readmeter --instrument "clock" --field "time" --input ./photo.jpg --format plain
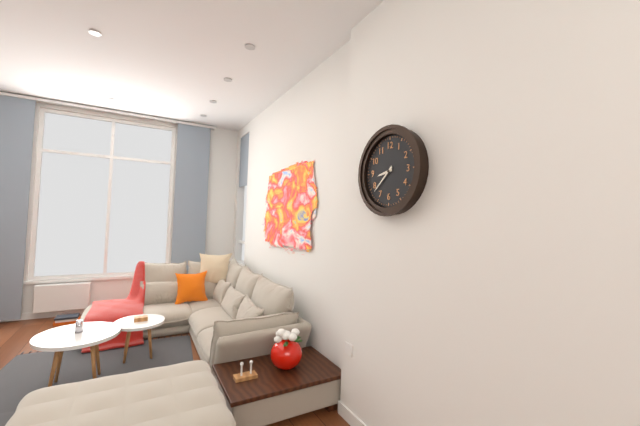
8:38
